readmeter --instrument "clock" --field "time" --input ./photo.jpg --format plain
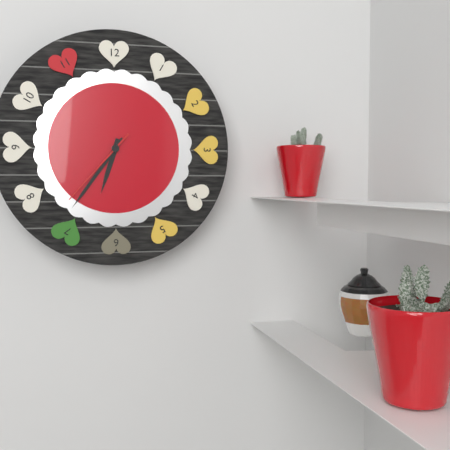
6:36:37
